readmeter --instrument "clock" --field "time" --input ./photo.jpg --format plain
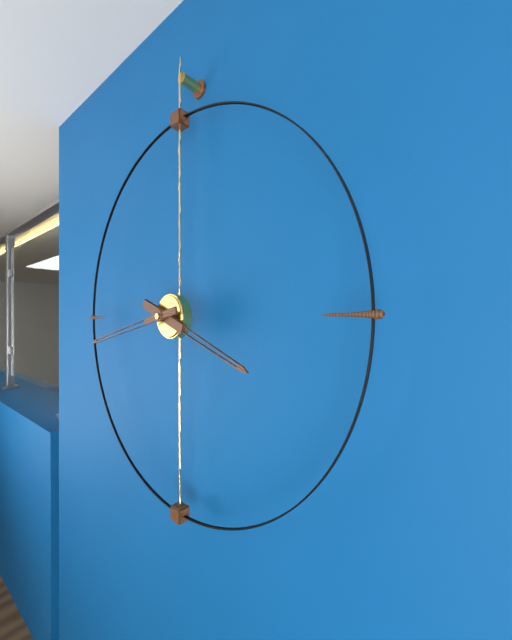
3:43
